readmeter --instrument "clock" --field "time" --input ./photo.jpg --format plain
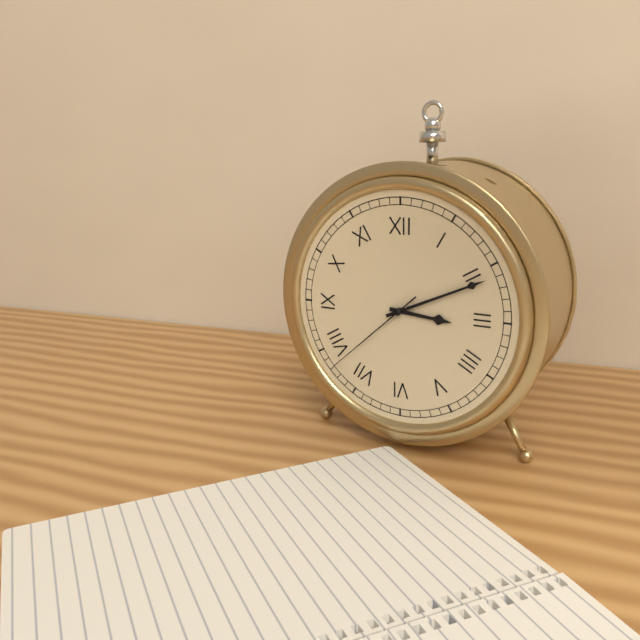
3:11:38
